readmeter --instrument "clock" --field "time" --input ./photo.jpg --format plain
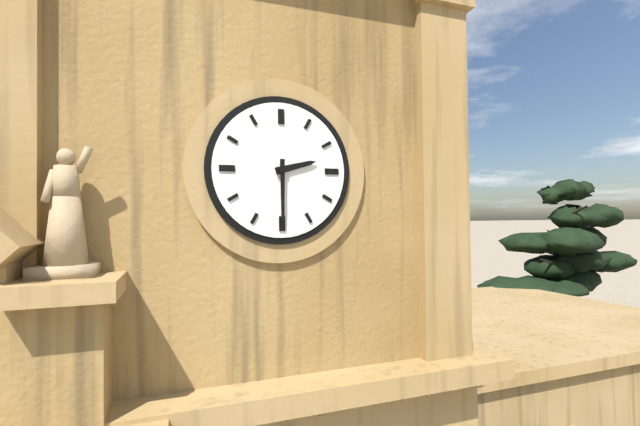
2:30
